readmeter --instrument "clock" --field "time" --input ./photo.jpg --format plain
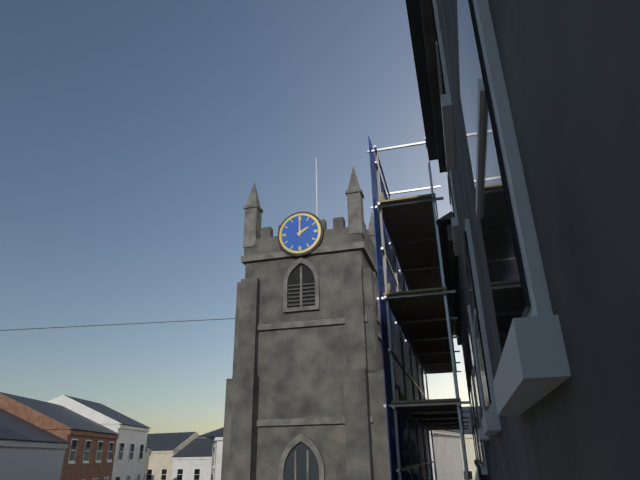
2:00
